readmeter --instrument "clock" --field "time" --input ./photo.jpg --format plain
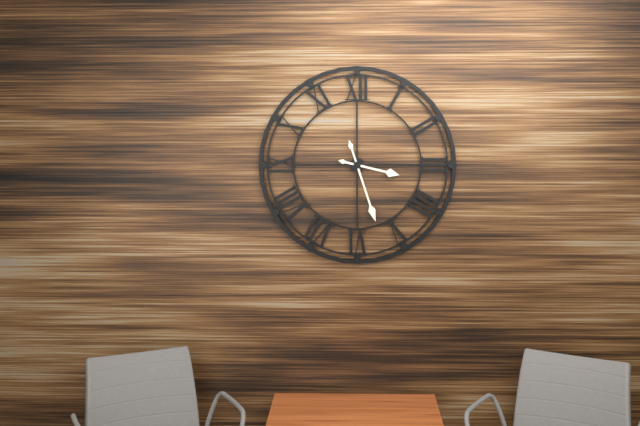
3:27
